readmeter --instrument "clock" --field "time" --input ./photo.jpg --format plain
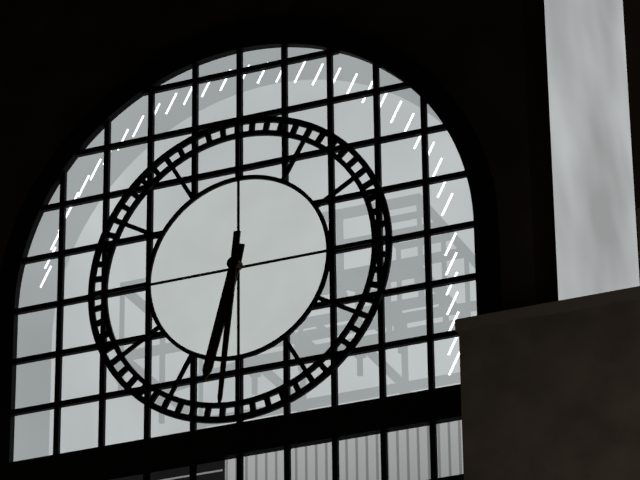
6:31
